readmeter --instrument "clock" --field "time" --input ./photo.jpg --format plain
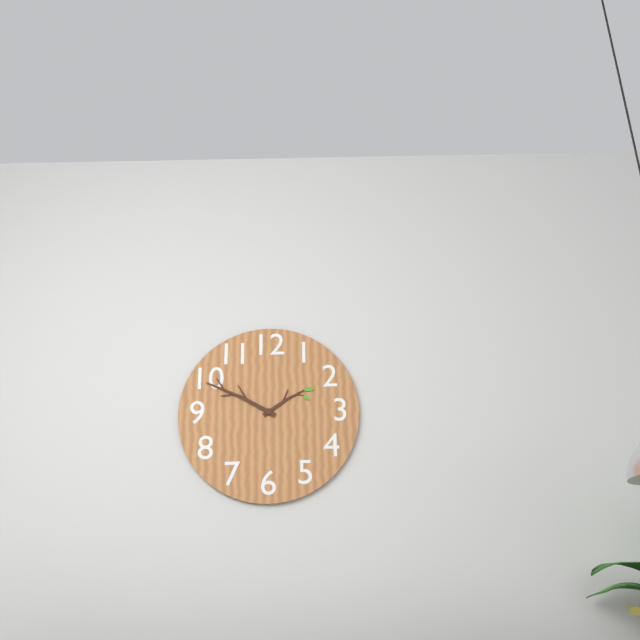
1:50
